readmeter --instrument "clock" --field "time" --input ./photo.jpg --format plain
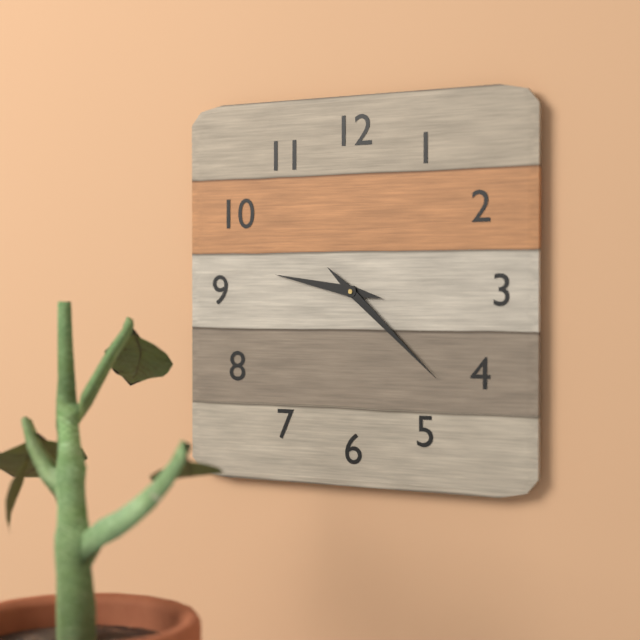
9:22
